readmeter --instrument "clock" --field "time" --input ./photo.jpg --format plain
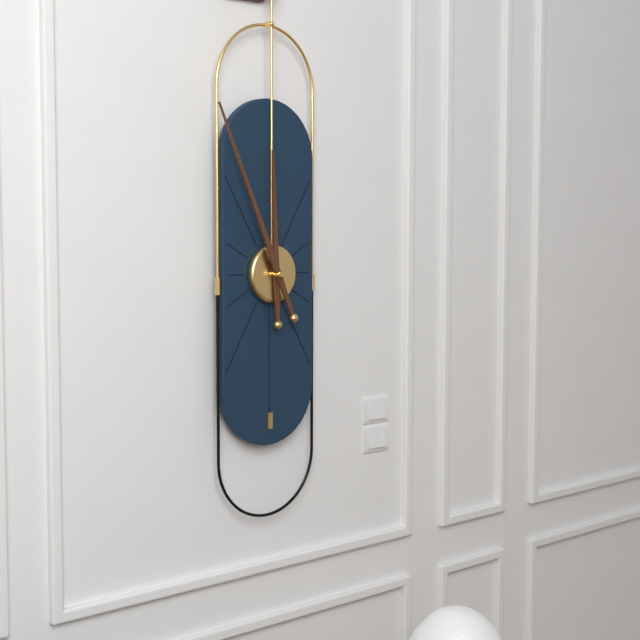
11:56
